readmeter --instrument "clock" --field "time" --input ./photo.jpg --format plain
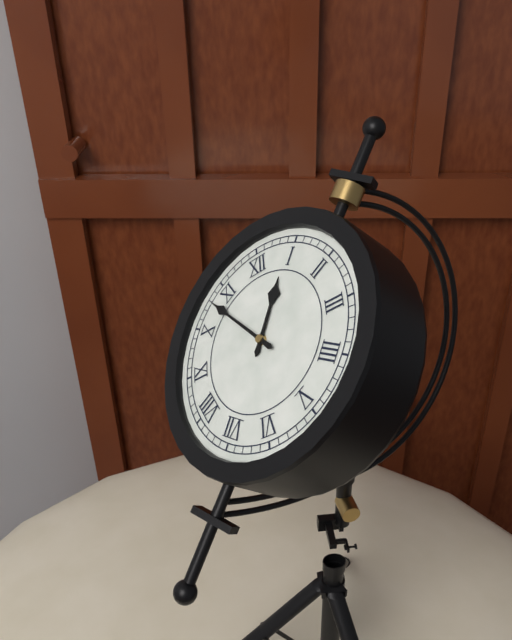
12:53
